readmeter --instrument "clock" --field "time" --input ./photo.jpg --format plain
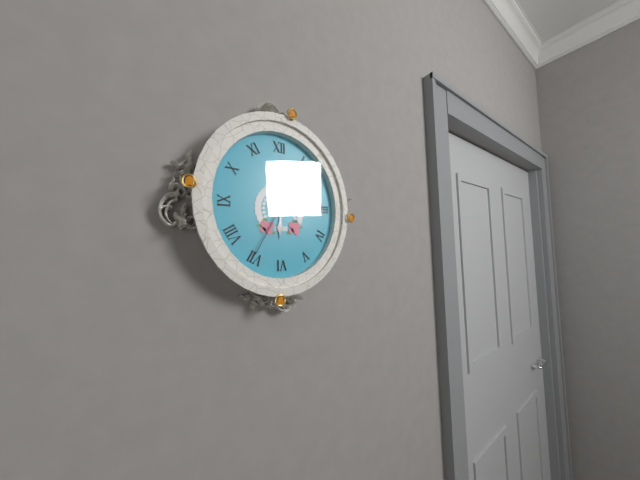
6:08:35
